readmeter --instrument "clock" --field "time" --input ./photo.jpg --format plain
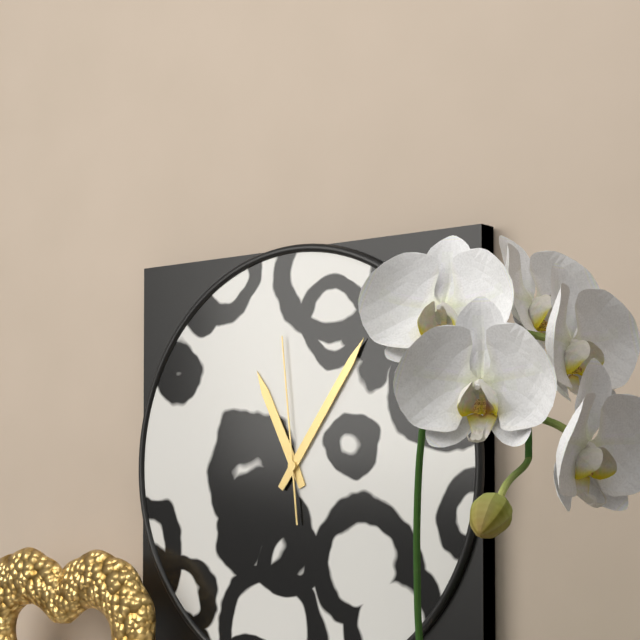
11:06:59
